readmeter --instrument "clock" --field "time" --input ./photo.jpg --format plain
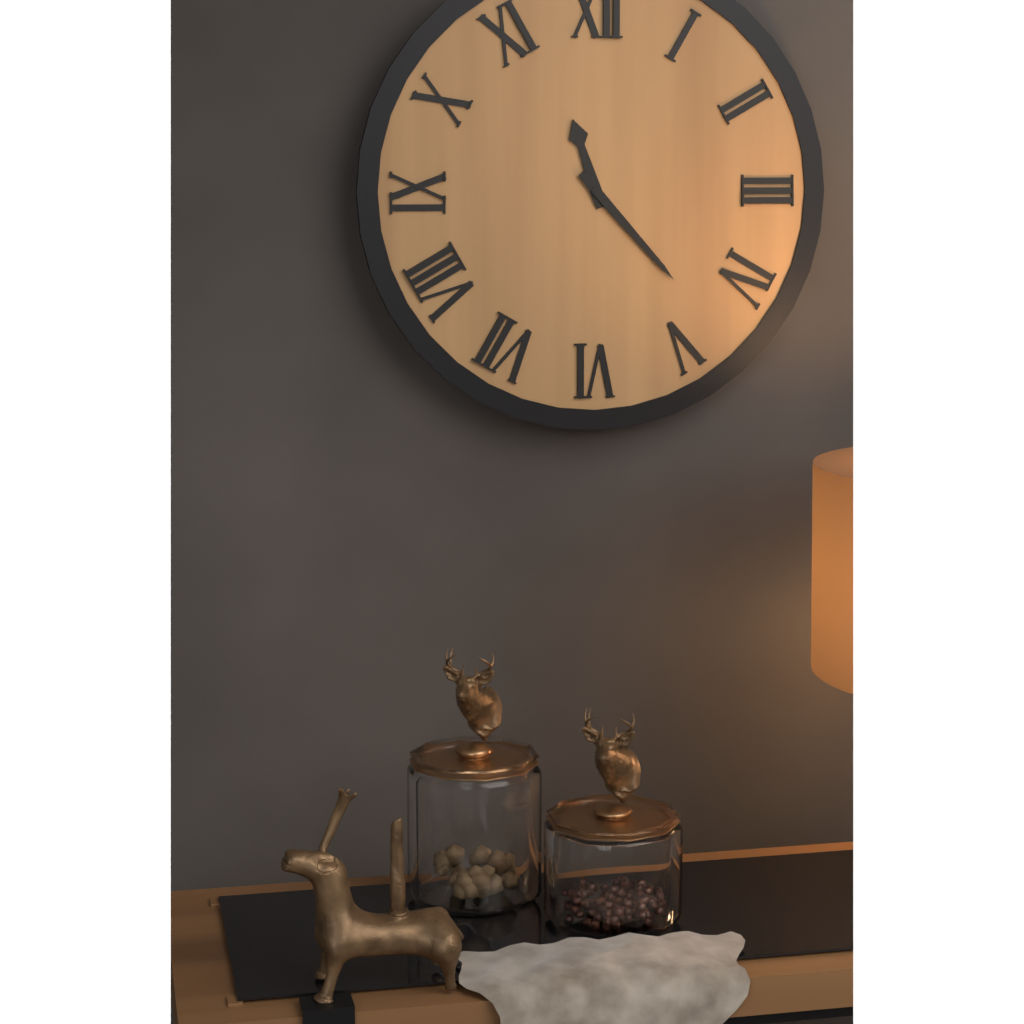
11:23
